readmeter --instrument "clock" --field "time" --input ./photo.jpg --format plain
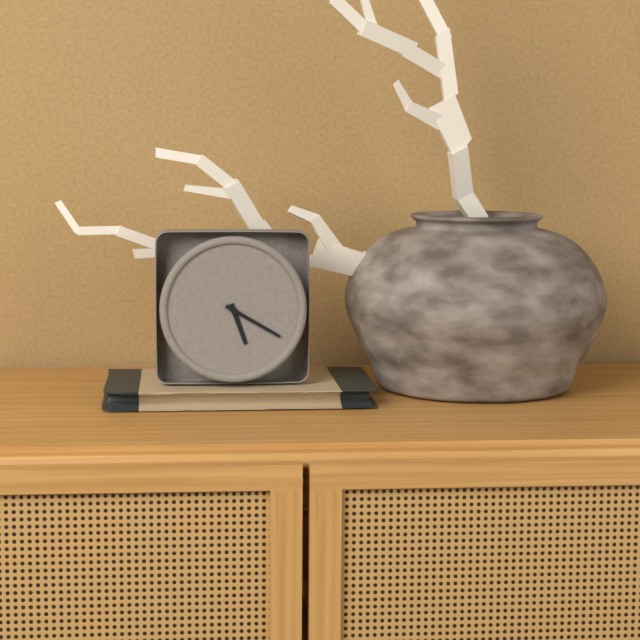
5:20
